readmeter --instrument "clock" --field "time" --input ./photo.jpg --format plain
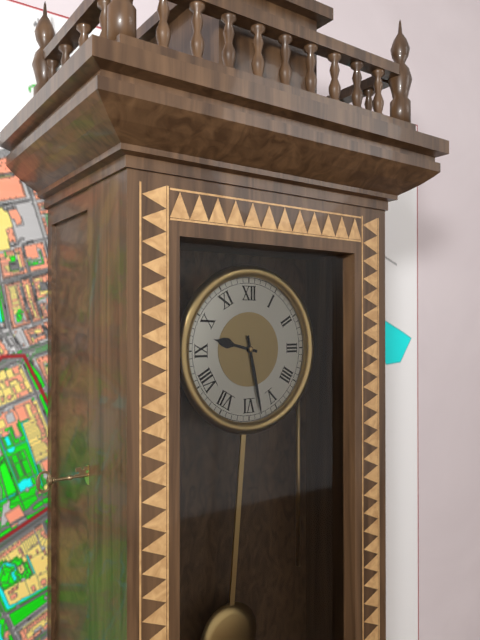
9:28
